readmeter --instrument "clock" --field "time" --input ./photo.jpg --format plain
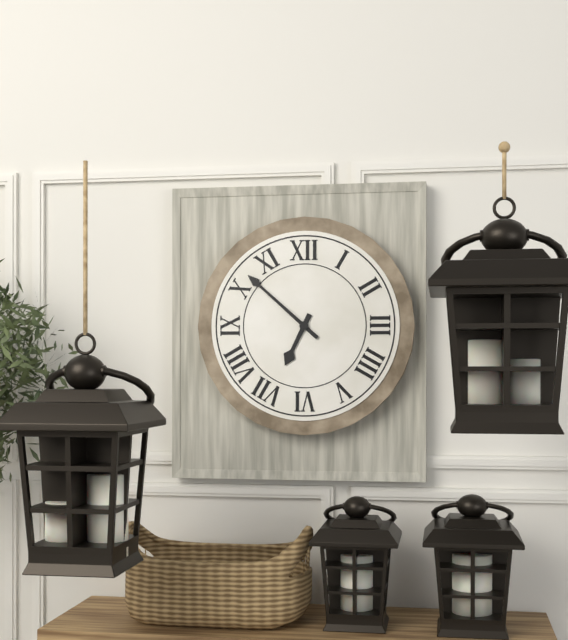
6:52
